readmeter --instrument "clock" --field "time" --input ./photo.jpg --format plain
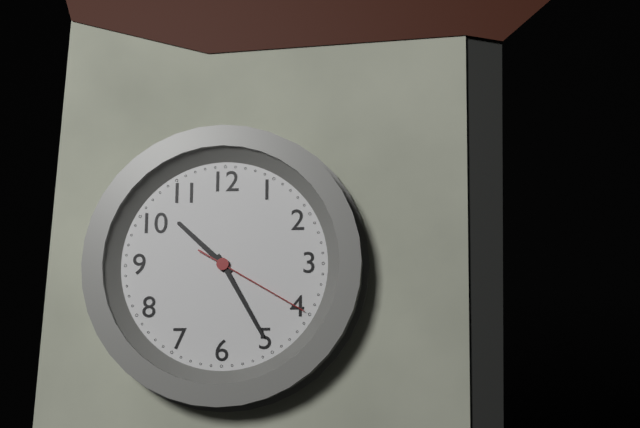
10:25:20
